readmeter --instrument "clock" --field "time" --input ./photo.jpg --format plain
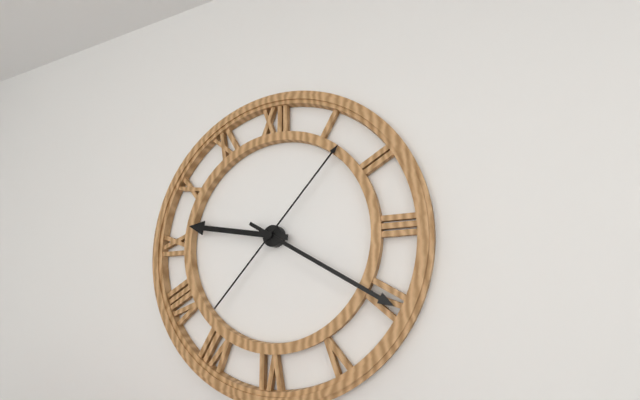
9:20:07
